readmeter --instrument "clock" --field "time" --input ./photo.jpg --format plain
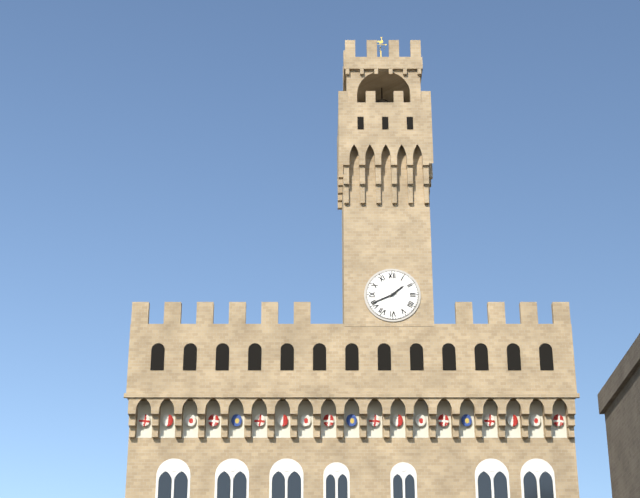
1:41
